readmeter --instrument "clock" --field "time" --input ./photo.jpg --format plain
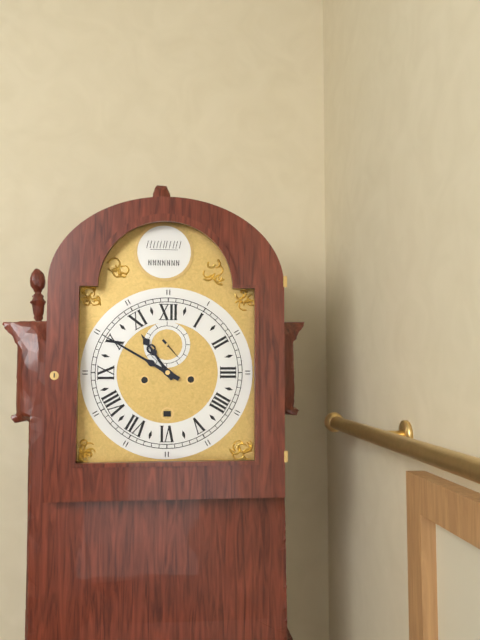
10:50
